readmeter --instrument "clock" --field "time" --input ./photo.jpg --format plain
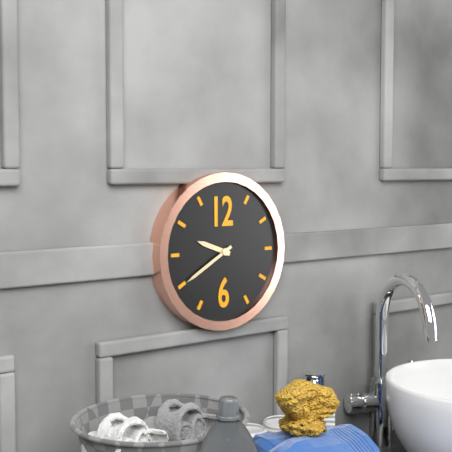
9:40
